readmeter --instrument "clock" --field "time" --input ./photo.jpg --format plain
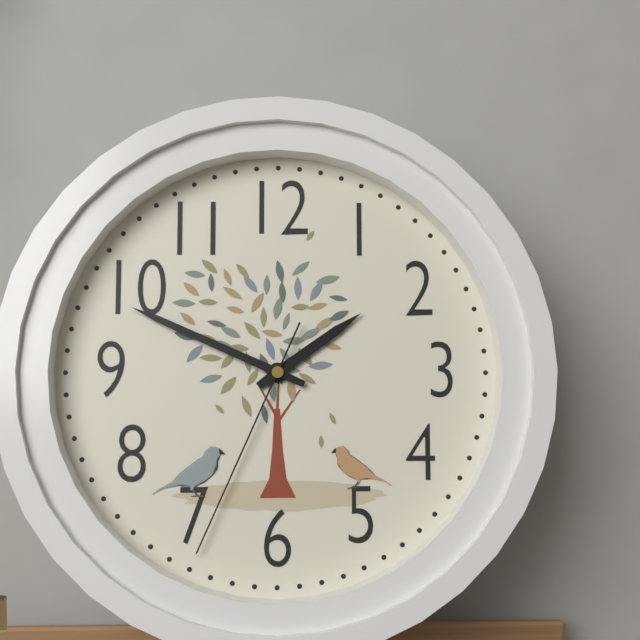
1:49:34
